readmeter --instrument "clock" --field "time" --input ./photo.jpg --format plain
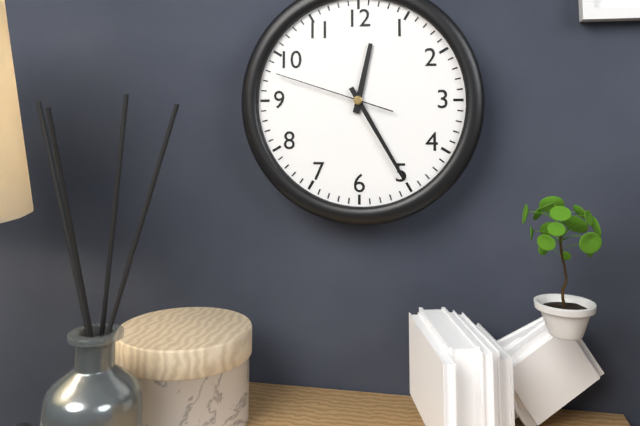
12:25:48
